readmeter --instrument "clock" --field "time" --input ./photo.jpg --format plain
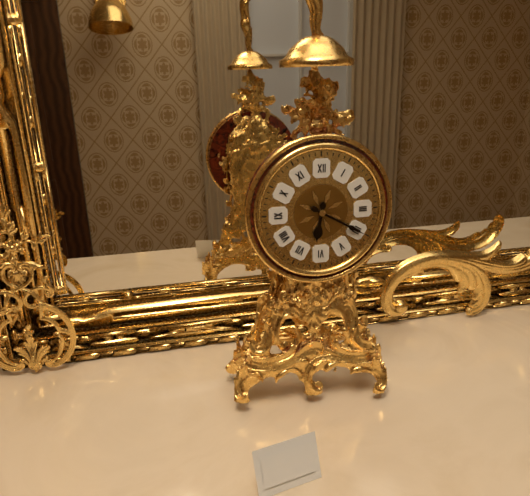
6:20
